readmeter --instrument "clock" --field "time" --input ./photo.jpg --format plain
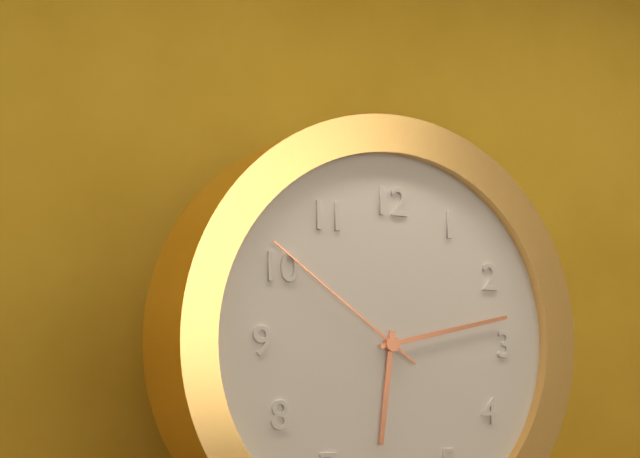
6:13:51
